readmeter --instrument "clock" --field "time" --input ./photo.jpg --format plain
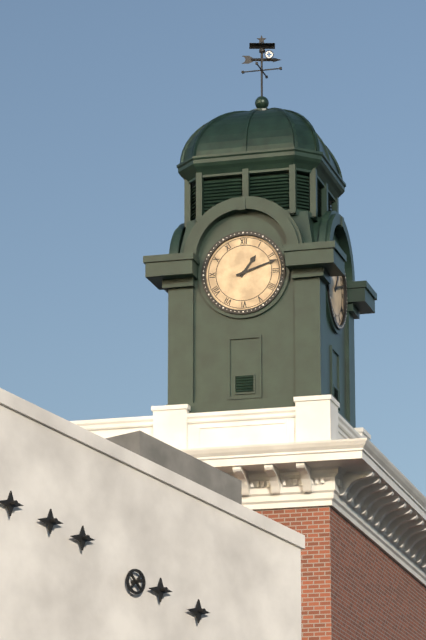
1:12
